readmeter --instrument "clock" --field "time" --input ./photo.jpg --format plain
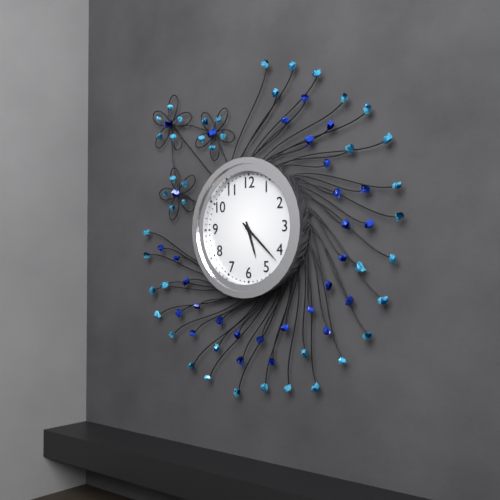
5:22
